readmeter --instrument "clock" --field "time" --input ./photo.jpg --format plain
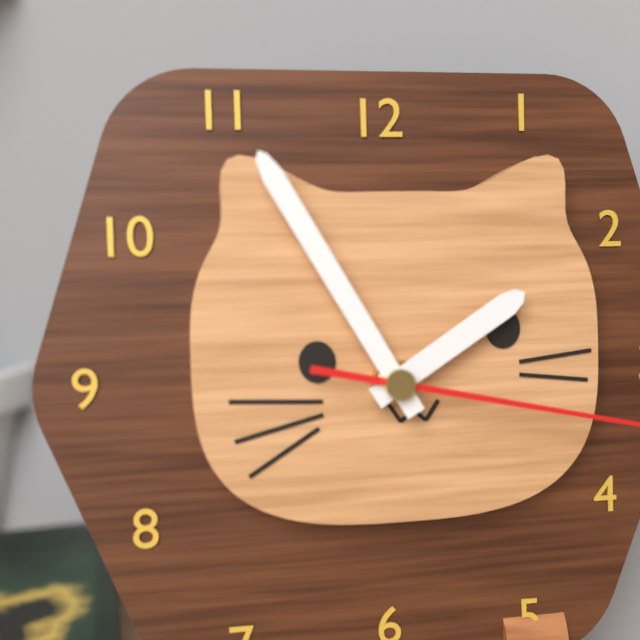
1:55
